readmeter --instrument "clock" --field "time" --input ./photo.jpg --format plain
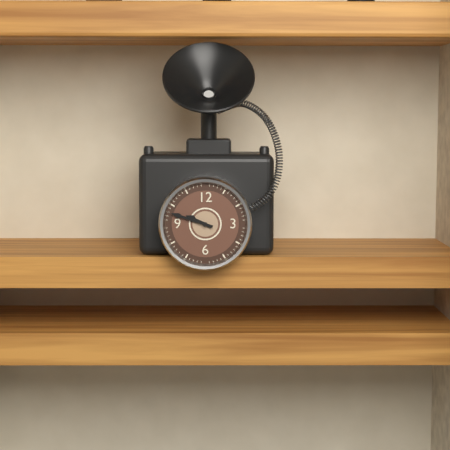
9:48
